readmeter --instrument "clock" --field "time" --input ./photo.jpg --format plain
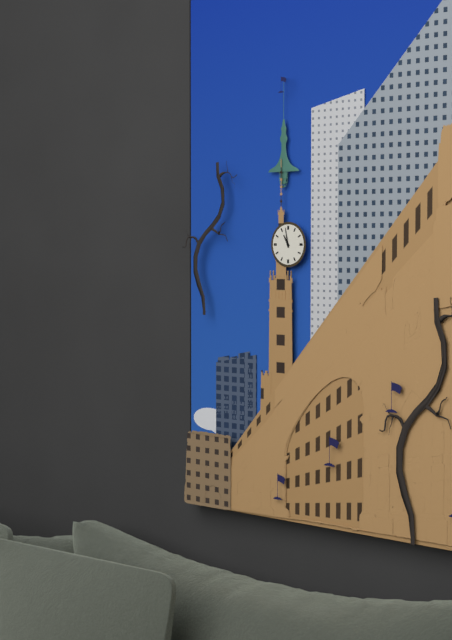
10:58
